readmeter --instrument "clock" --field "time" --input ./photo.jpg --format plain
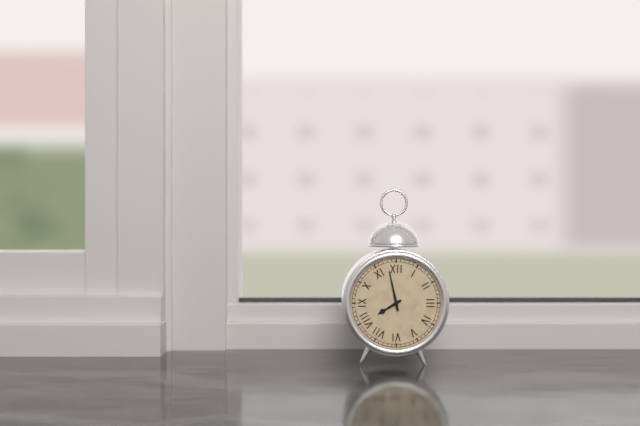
7:58
